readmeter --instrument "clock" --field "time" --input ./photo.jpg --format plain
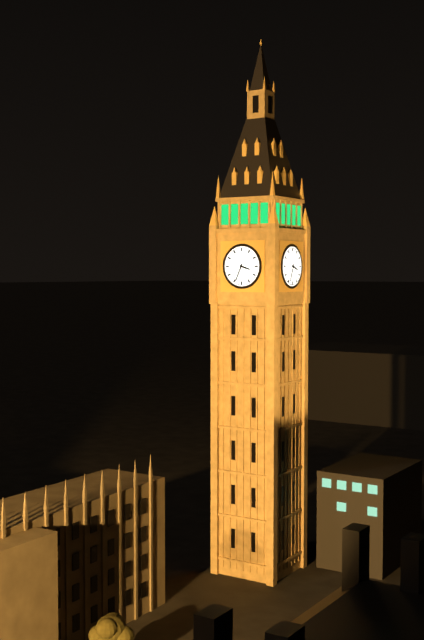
3:34
